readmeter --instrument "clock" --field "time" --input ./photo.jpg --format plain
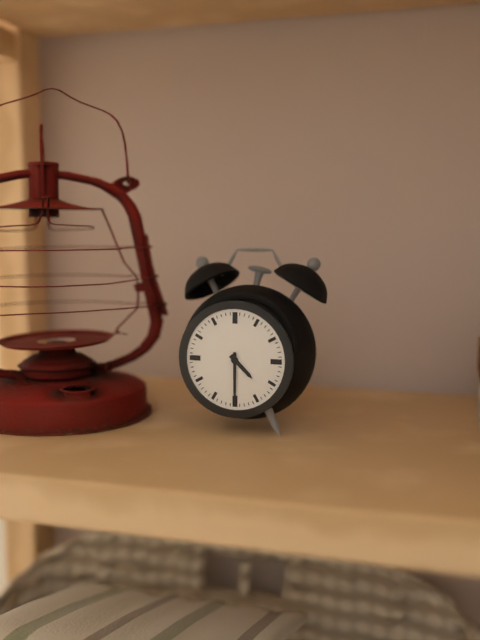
4:30
